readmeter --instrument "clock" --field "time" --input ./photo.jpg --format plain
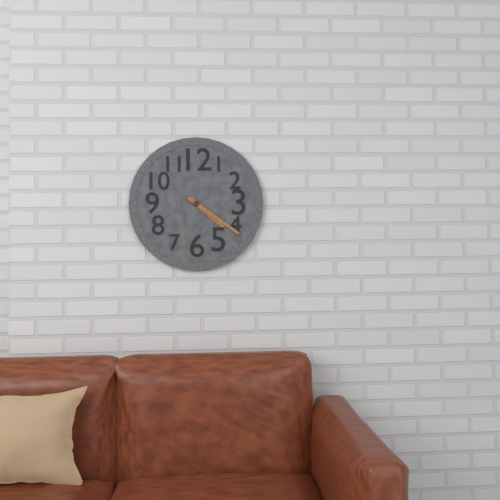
4:21
